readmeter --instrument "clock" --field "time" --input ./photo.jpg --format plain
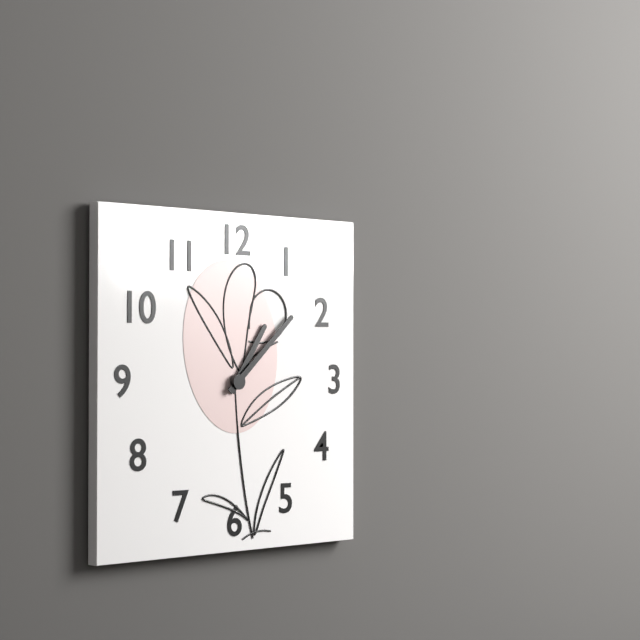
1:08
